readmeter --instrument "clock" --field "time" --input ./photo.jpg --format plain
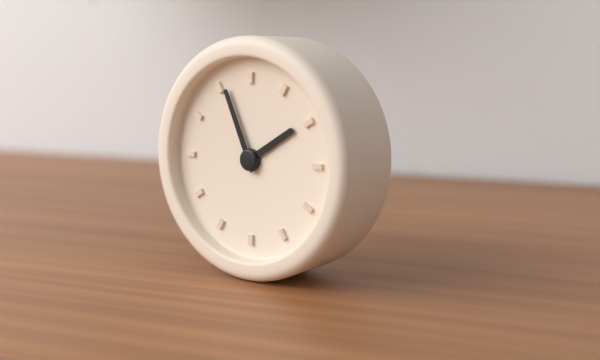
1:56
